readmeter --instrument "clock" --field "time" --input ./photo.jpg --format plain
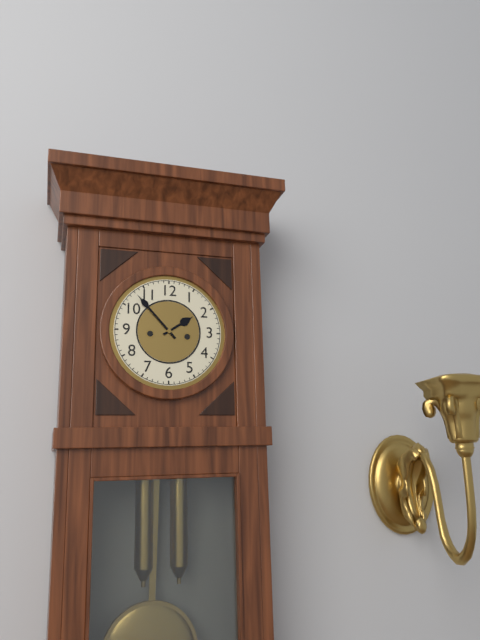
1:53
